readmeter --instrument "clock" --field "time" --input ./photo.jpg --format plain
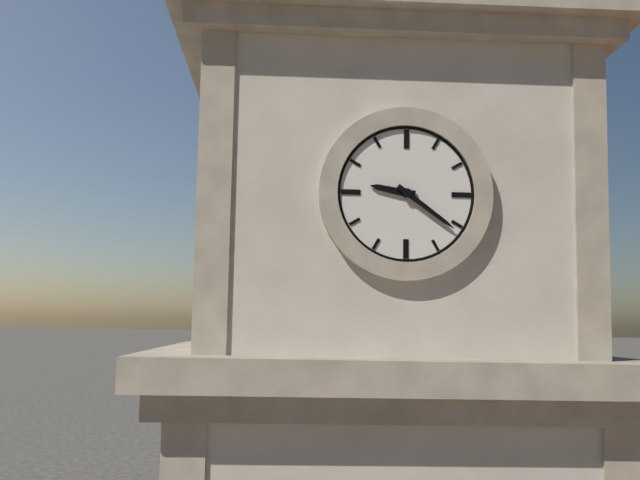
9:21
